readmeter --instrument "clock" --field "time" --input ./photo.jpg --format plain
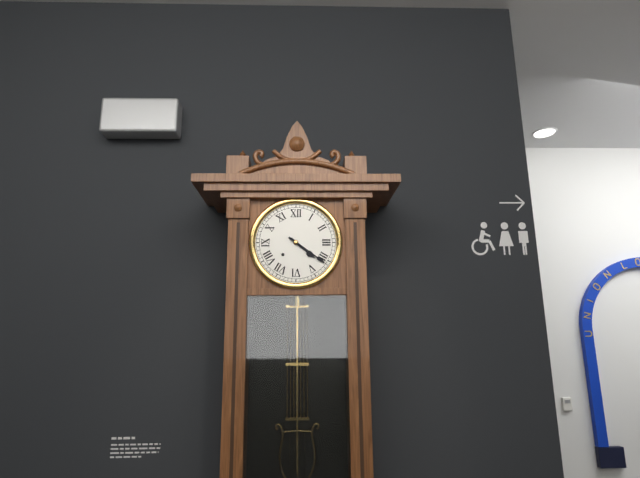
4:21
